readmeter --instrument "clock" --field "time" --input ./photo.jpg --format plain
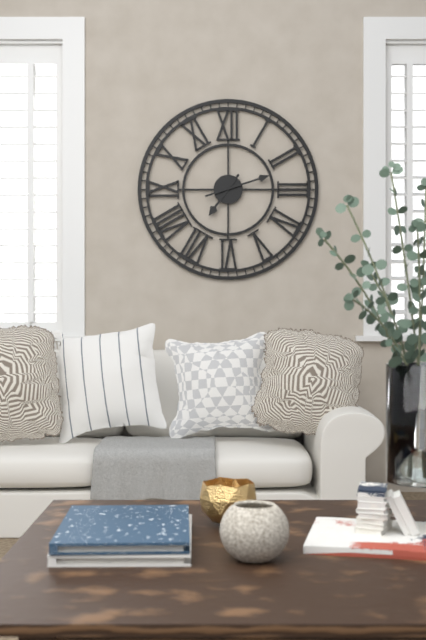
7:12
